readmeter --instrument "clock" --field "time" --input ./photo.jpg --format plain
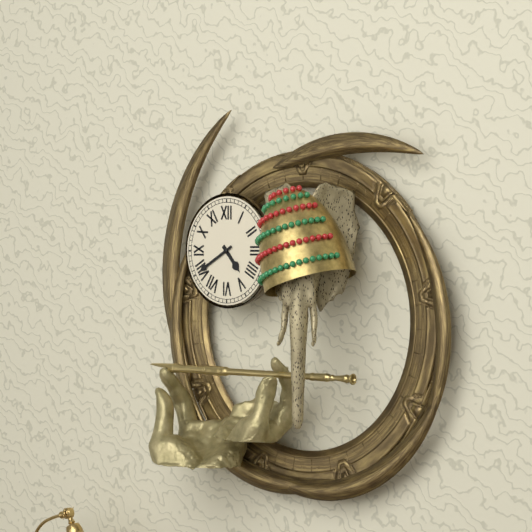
4:40
